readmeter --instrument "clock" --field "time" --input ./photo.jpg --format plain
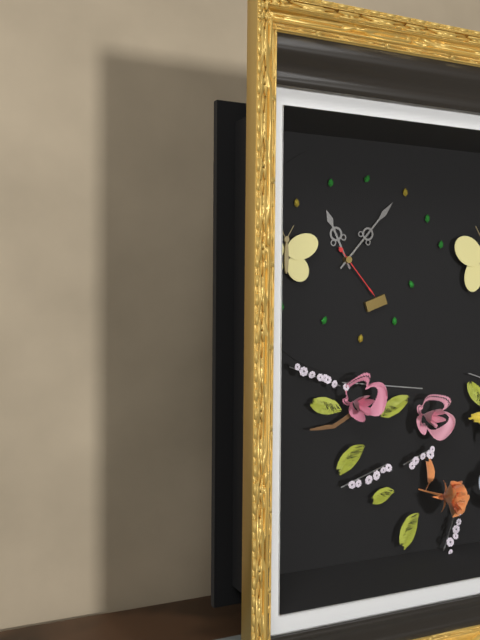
11:07:23
